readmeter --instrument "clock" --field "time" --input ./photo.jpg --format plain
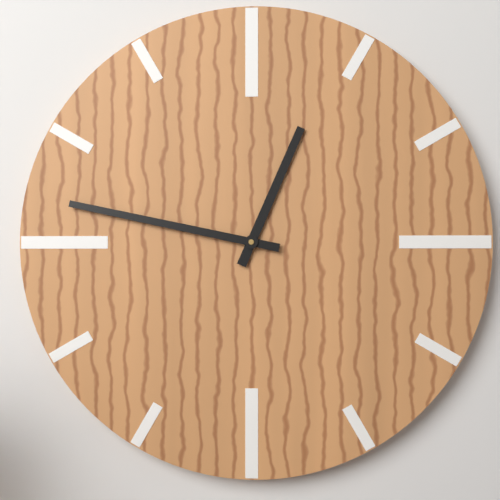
12:47
